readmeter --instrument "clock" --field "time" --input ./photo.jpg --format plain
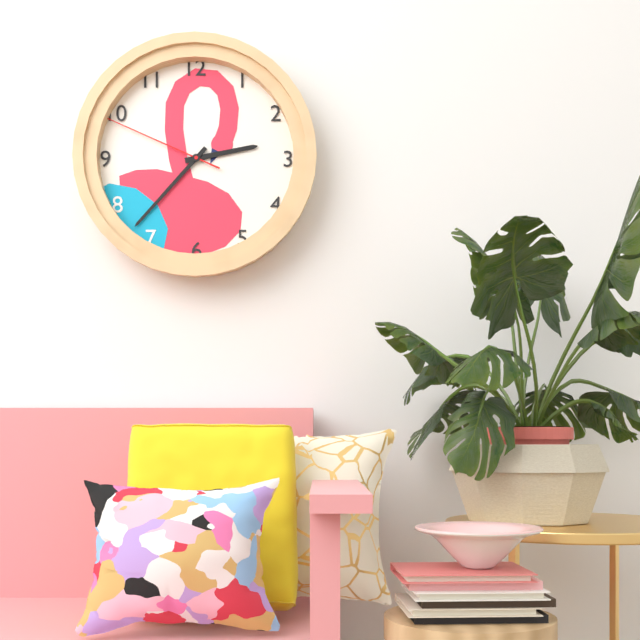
2:37:49
